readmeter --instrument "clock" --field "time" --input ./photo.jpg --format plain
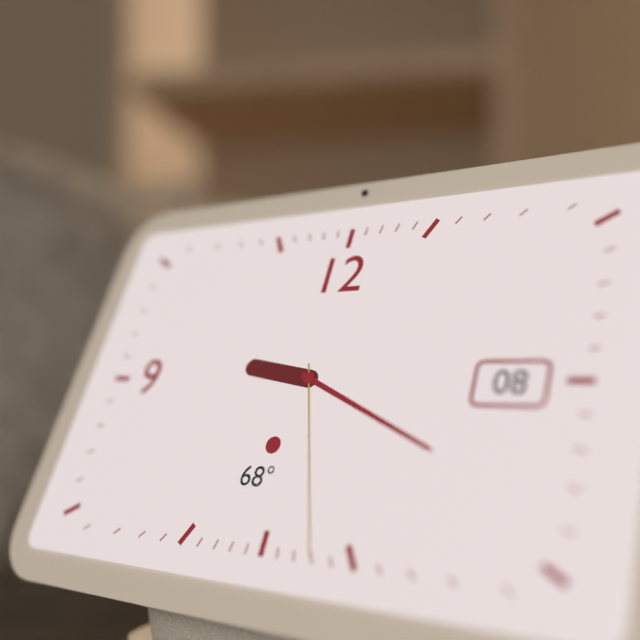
9:19:27
